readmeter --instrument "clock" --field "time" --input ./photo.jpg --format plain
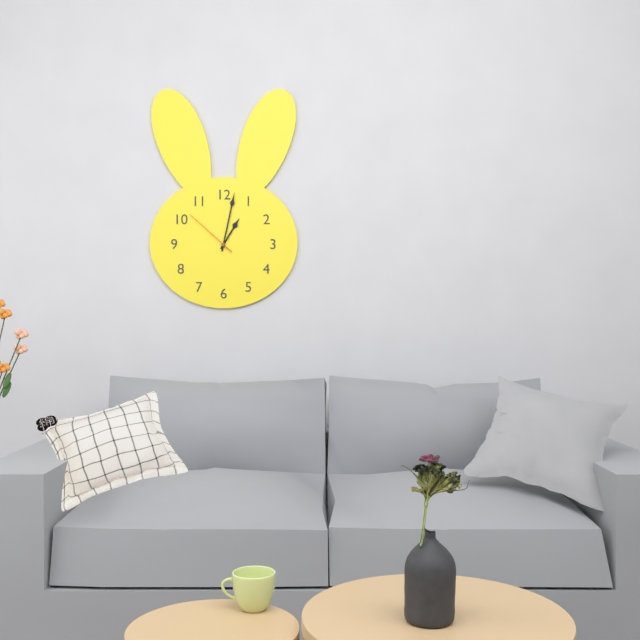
1:02:52
